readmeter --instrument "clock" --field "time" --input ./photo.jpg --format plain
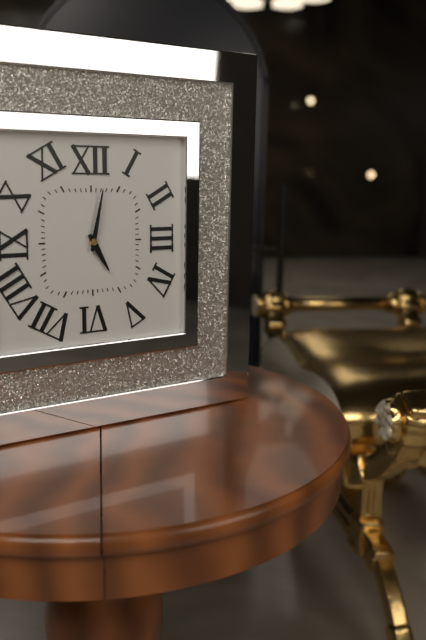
5:02
